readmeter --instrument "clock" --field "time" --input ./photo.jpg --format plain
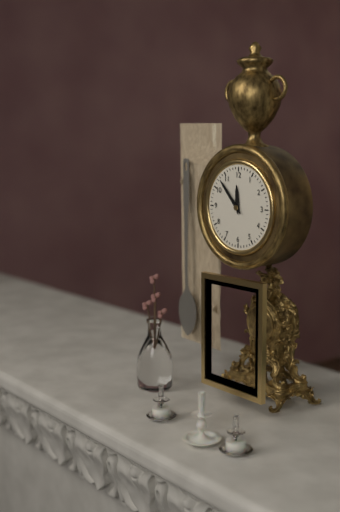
11:53
